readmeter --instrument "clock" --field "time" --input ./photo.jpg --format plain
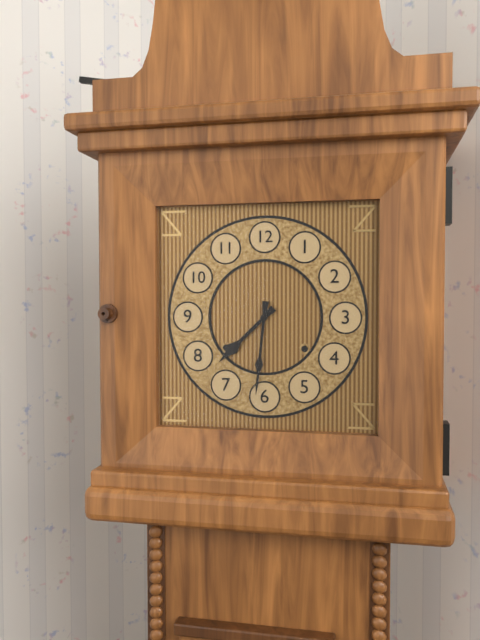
7:31
